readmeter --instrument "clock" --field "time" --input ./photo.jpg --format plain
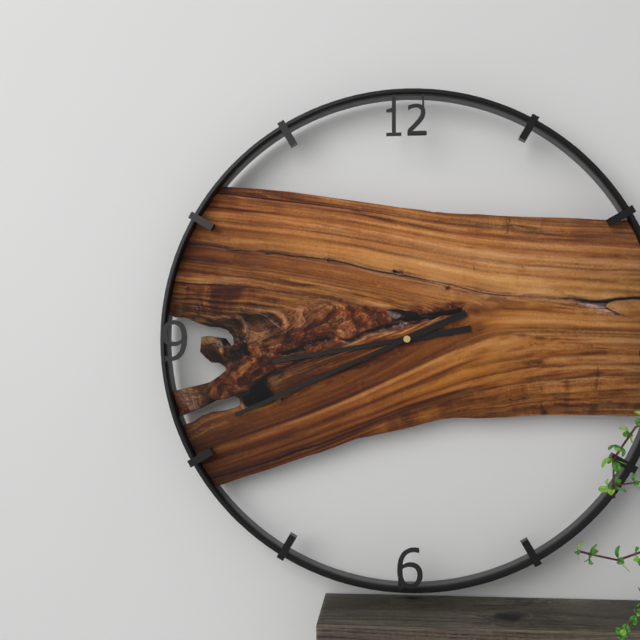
8:41
